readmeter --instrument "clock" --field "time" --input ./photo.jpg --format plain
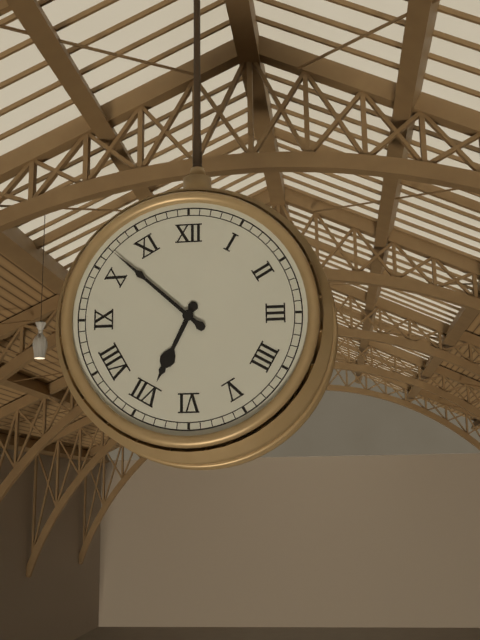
6:52
